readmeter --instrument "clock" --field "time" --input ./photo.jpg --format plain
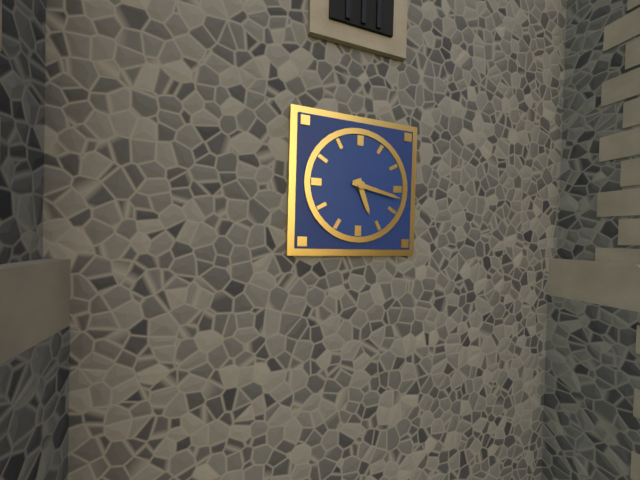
5:17
